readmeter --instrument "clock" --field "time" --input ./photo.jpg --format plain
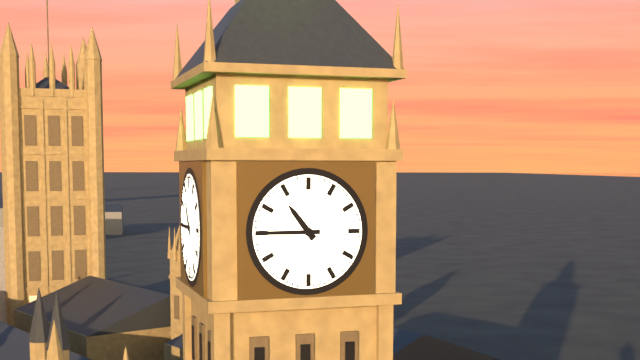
10:45
